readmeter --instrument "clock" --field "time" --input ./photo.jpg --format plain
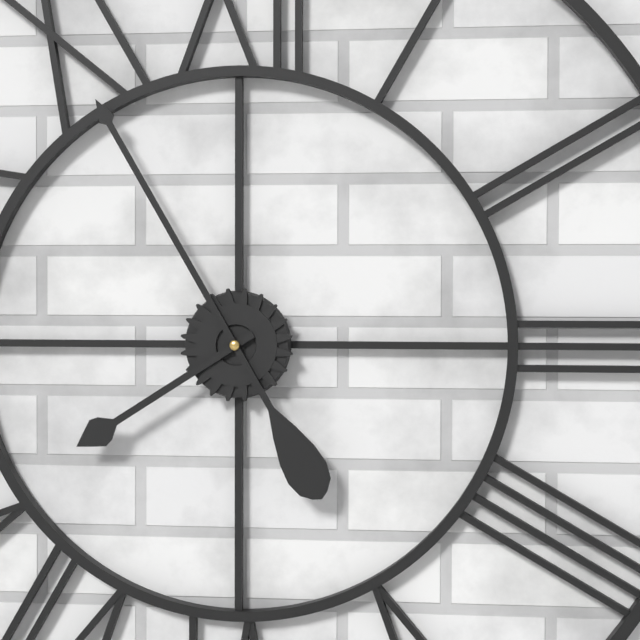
7:55
